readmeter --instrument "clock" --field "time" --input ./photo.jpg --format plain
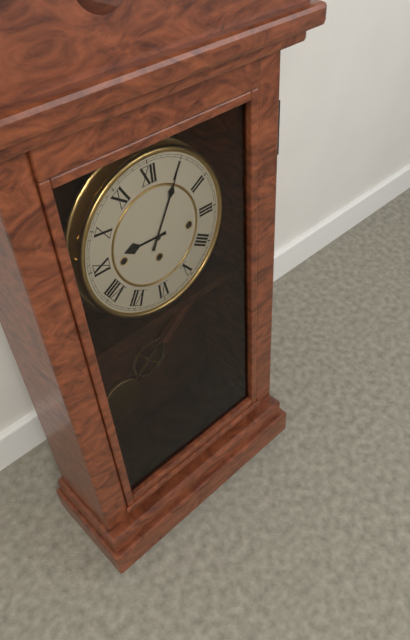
9:05
